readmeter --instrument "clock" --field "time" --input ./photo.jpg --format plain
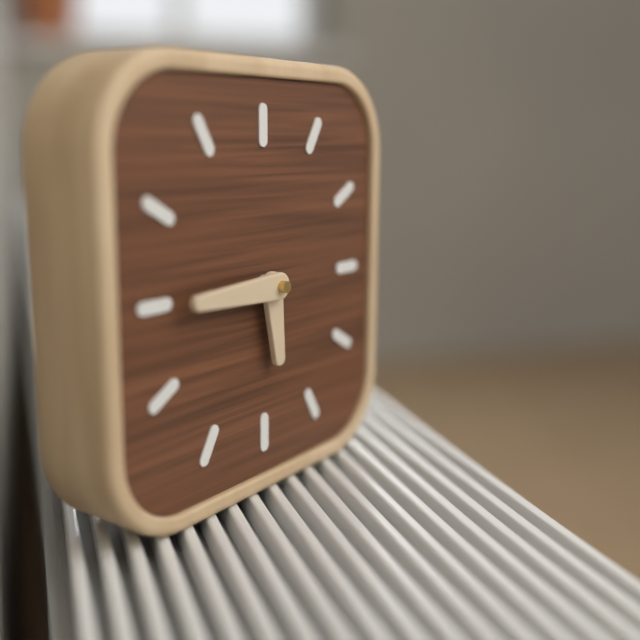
5:45
